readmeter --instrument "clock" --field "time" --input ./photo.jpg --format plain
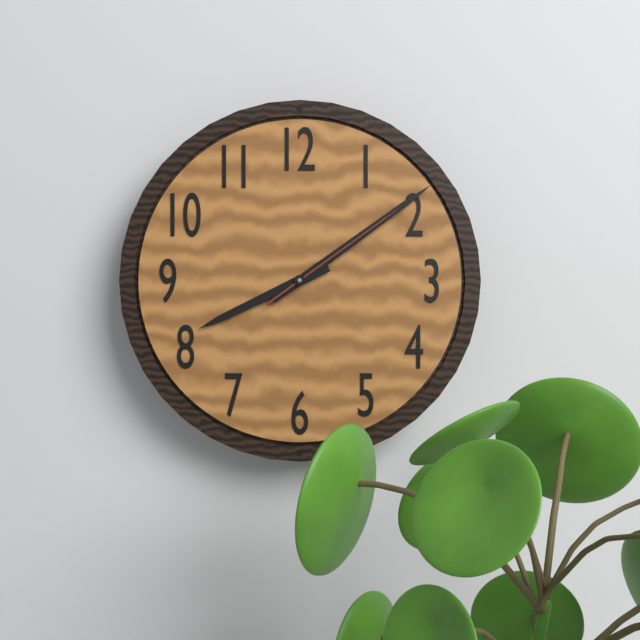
8:09:09
